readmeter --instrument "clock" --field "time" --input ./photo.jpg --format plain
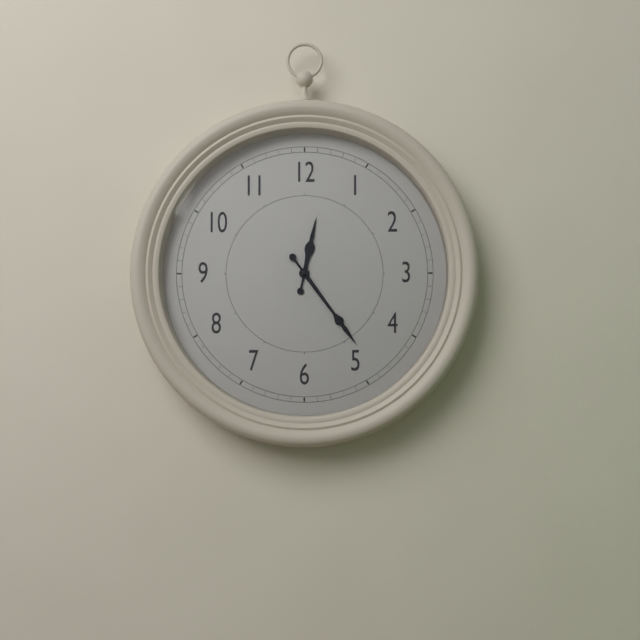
12:24
